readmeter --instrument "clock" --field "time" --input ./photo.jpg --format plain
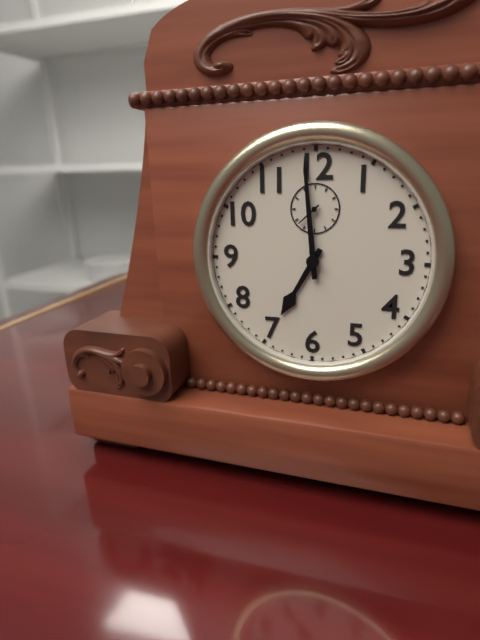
6:59
